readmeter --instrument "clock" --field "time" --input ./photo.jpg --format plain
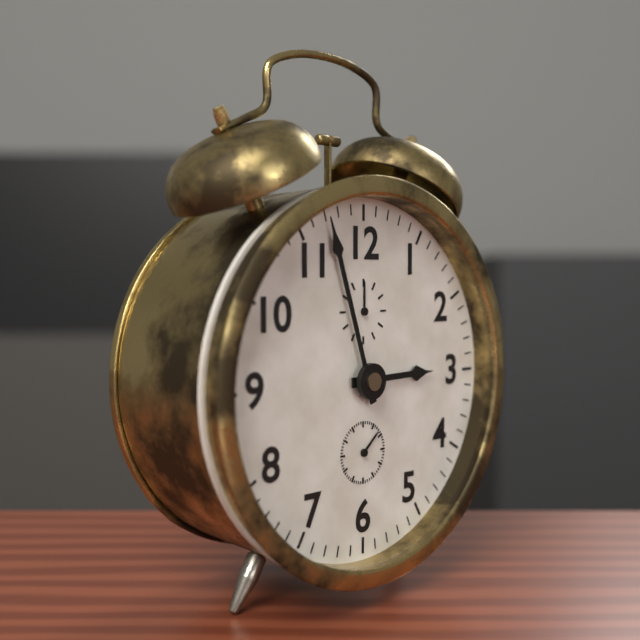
2:57
